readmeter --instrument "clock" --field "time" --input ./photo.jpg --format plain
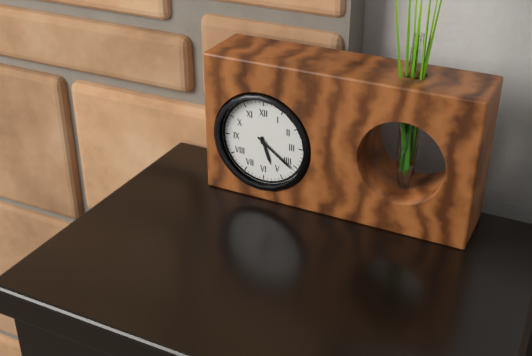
5:21
